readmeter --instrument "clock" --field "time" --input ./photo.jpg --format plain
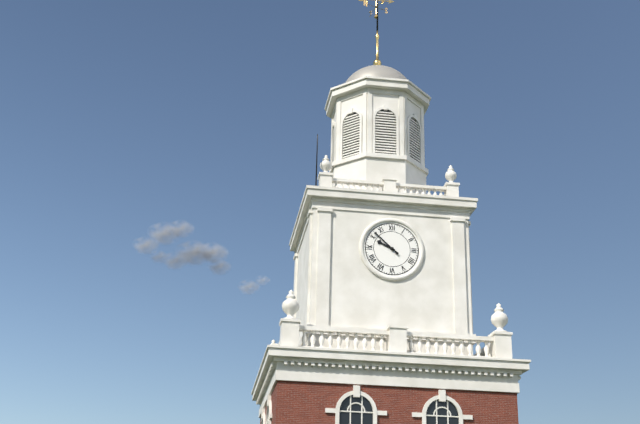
9:52
